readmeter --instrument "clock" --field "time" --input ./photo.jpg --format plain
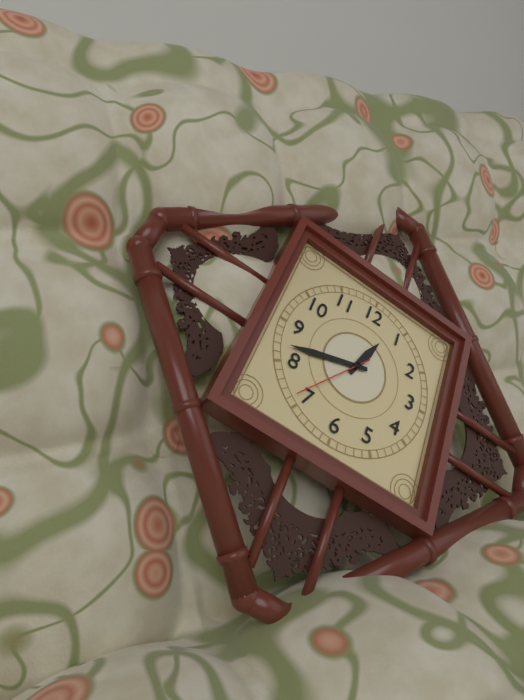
12:42:36
